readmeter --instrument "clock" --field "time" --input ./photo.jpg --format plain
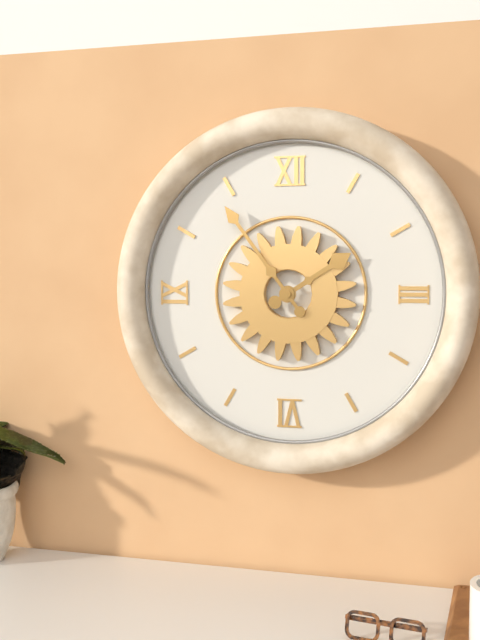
1:54
